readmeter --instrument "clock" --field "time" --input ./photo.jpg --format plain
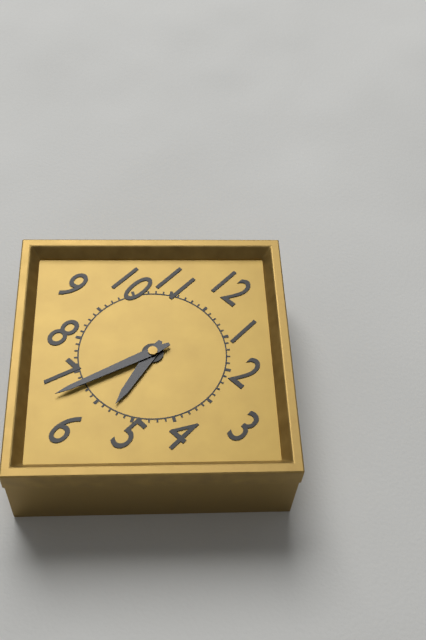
5:33
